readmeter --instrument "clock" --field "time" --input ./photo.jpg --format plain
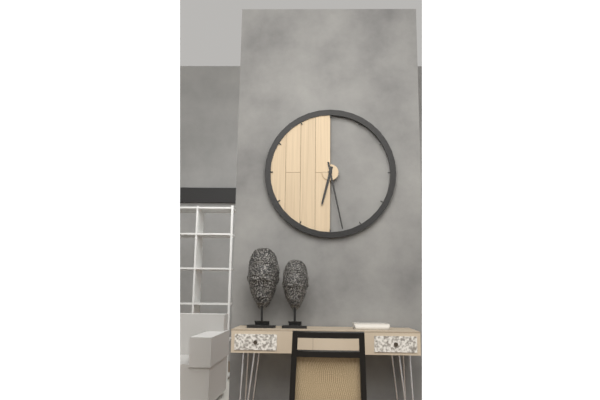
6:28
